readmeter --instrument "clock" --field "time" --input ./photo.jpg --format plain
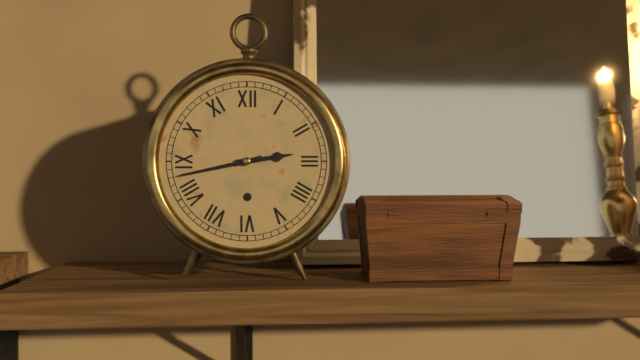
2:43
